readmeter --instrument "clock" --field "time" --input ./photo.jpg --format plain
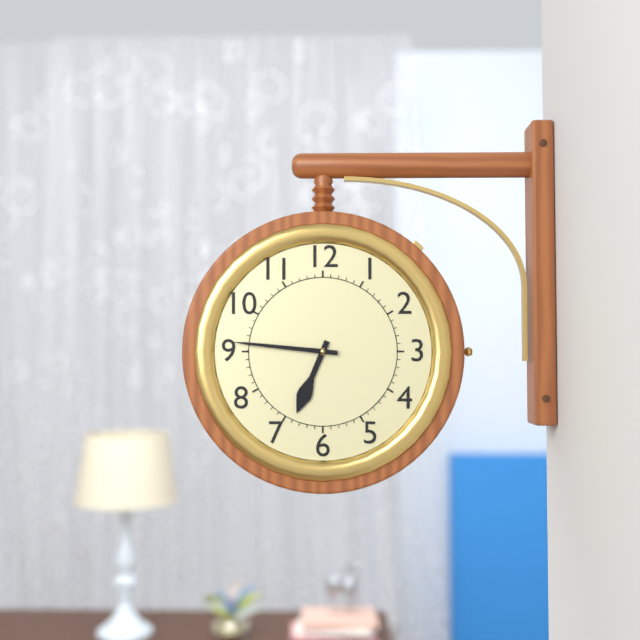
6:46
